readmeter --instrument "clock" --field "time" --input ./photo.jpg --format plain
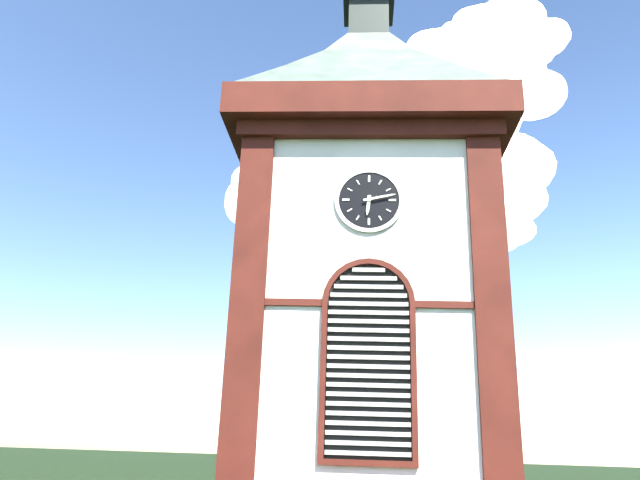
6:13
